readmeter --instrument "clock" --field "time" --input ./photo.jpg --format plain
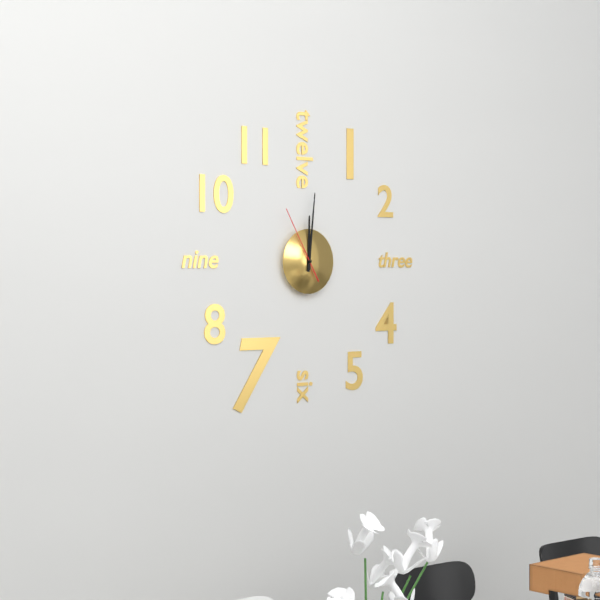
12:01:55
